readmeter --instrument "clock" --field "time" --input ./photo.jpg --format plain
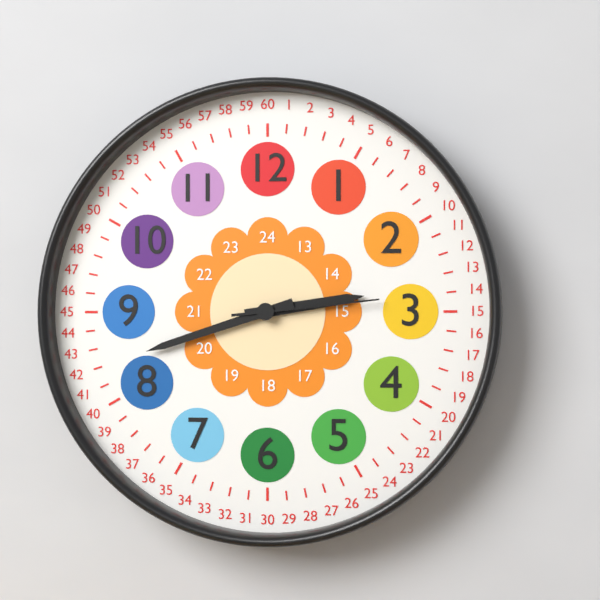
2:42:14
